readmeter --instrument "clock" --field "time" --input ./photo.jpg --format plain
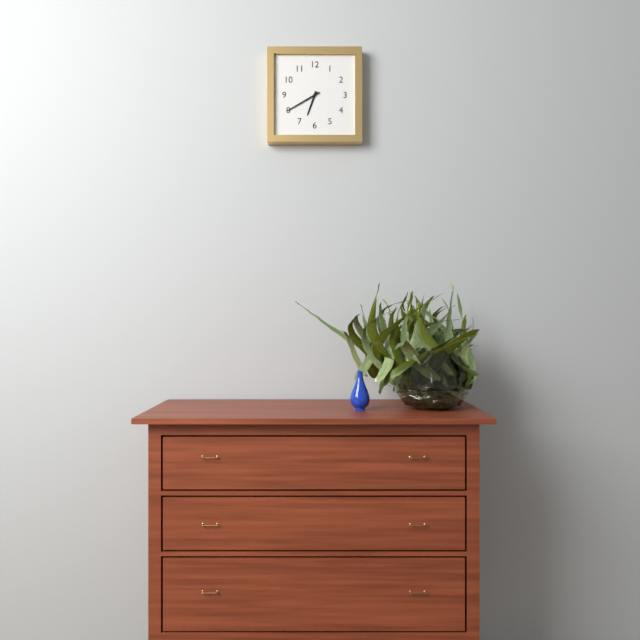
6:40
